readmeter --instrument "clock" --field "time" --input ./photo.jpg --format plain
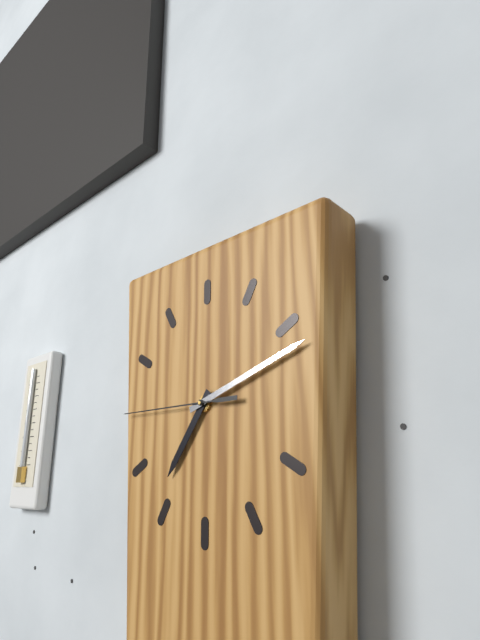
7:12:45
